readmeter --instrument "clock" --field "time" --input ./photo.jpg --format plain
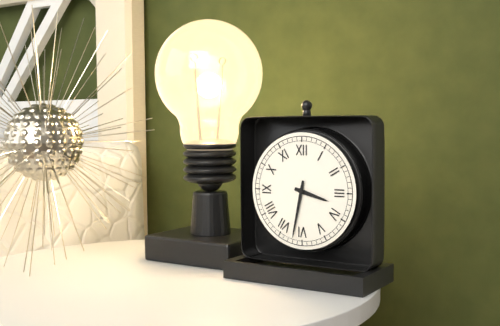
3:32
